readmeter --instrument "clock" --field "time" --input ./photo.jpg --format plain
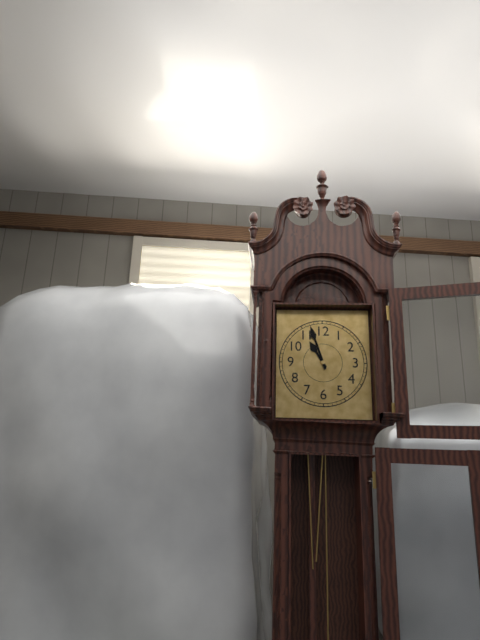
10:57
